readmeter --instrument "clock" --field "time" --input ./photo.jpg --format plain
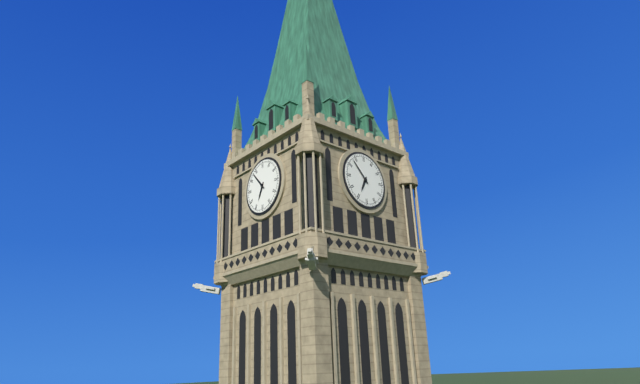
6:53
